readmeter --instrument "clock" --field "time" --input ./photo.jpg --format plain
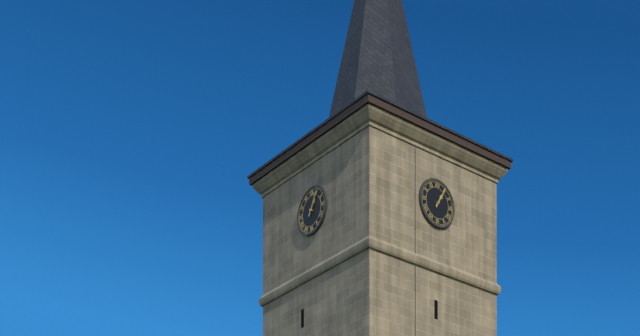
1:05
